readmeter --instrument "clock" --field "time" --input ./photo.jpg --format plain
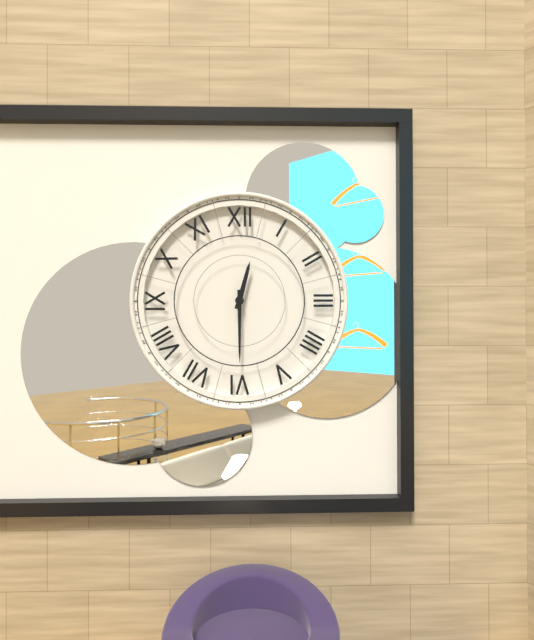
12:30
